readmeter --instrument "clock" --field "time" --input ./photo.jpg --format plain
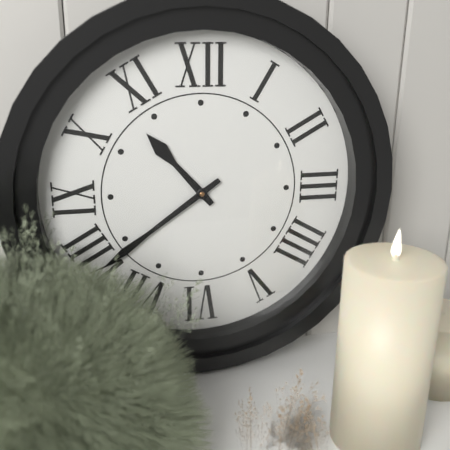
10:39
